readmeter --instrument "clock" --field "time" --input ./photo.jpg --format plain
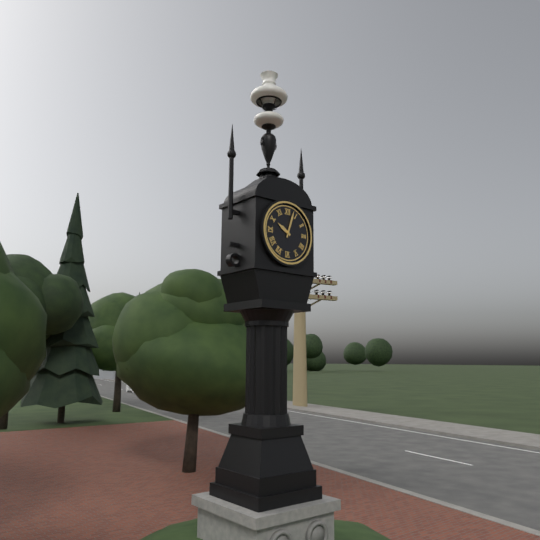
10:03
